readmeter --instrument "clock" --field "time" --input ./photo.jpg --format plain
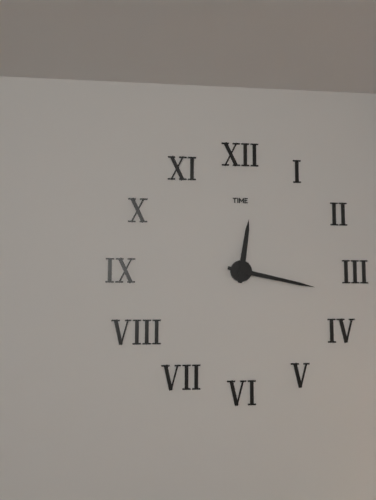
12:17
